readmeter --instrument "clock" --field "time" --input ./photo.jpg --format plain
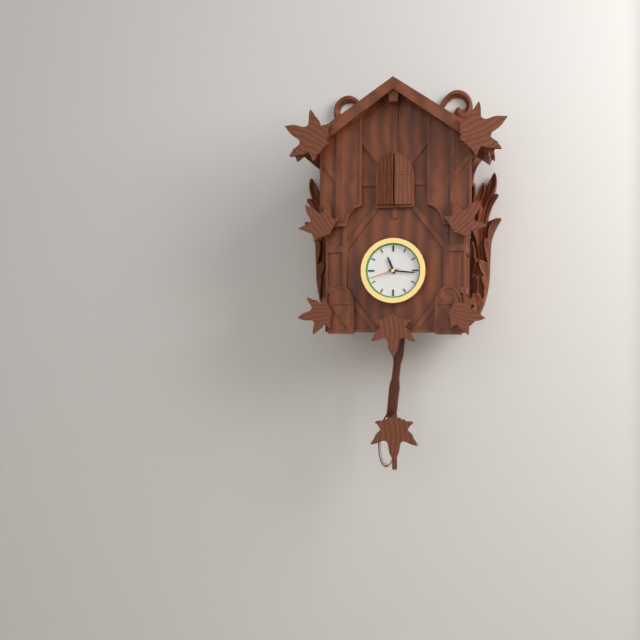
11:16
